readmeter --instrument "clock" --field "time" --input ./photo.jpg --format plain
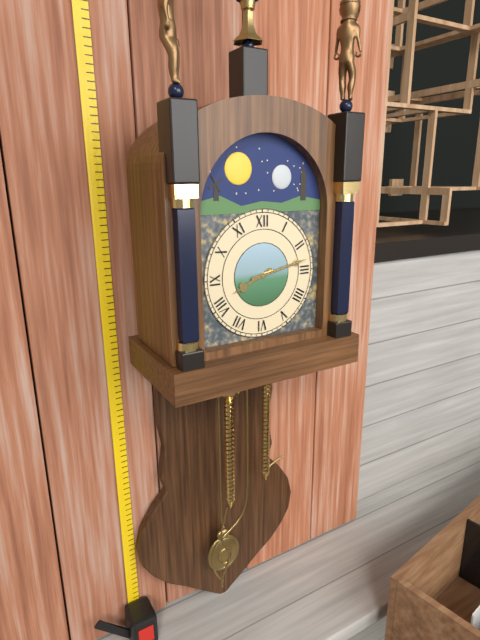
8:13
